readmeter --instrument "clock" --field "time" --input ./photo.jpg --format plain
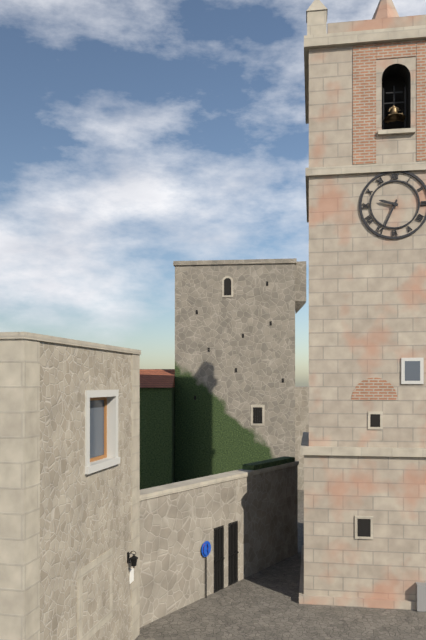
9:34
